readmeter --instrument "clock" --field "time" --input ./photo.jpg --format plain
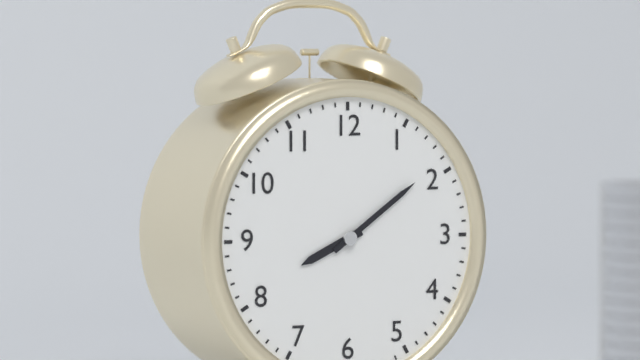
8:09
